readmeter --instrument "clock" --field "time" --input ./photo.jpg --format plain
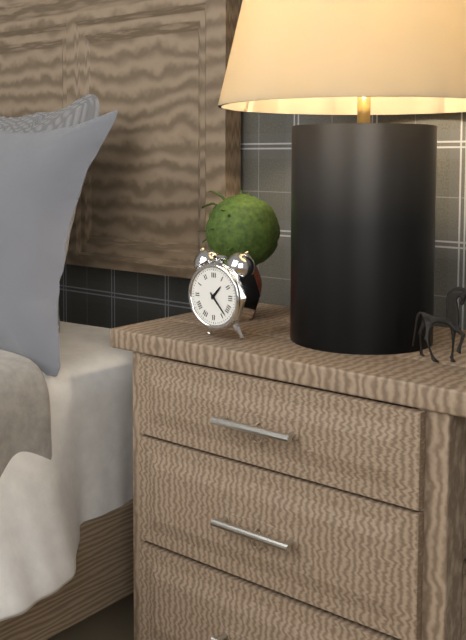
1:23
